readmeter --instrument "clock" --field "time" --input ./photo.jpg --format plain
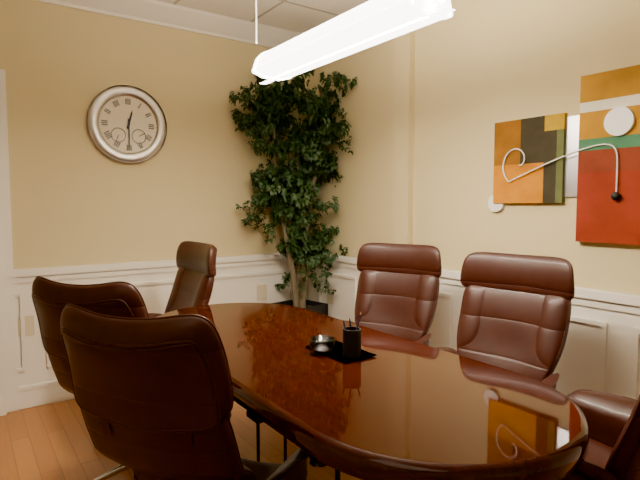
12:30
